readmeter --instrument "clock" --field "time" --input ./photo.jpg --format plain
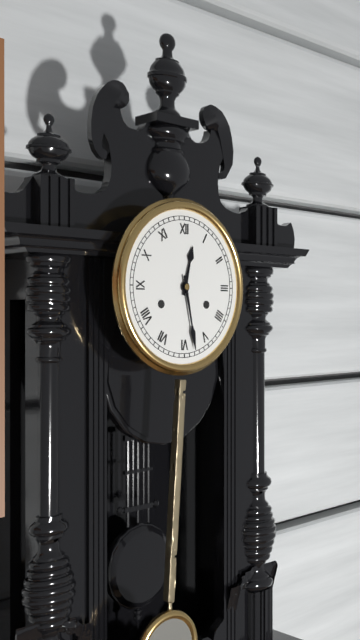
12:28
